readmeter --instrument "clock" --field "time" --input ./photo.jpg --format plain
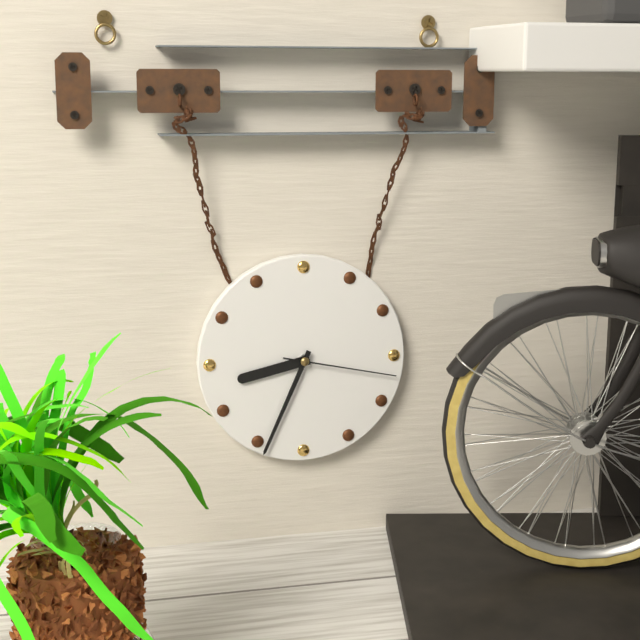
8:34:17
